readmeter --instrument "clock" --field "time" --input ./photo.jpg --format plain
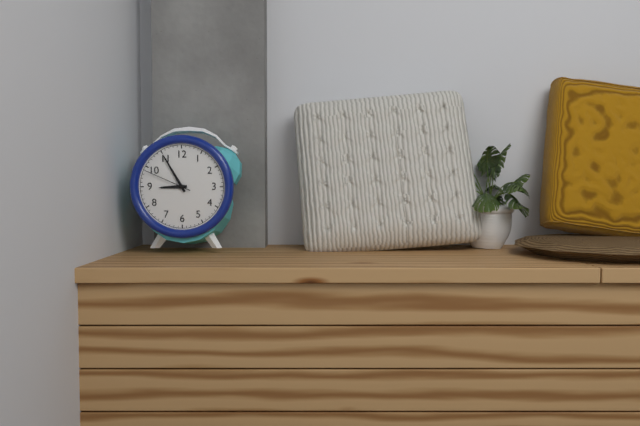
8:55:49
